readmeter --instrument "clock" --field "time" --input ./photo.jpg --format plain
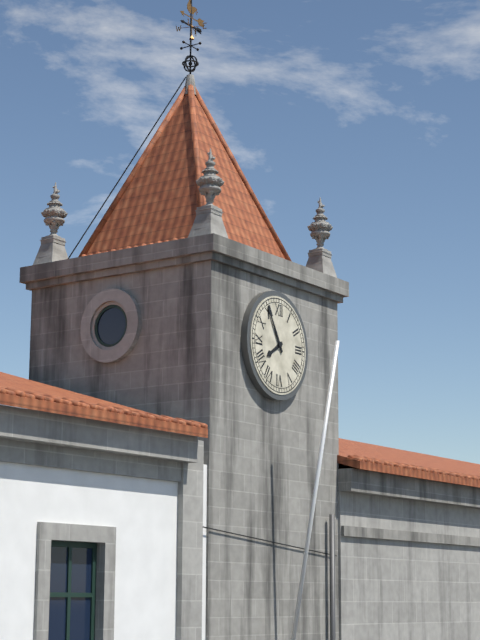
7:55
